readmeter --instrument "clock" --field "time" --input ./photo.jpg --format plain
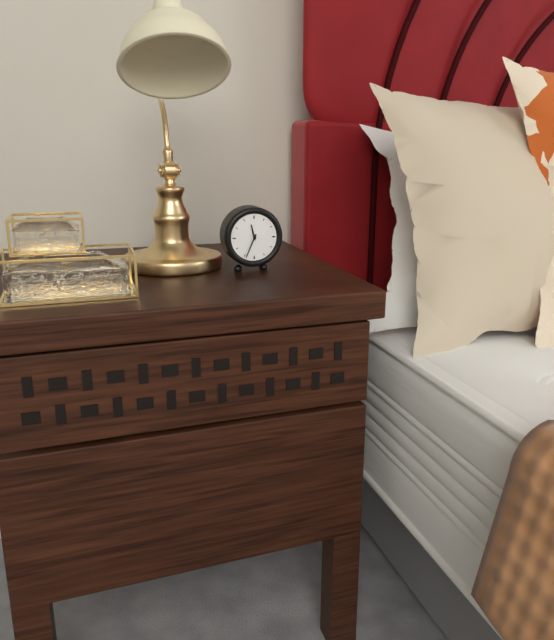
11:34
